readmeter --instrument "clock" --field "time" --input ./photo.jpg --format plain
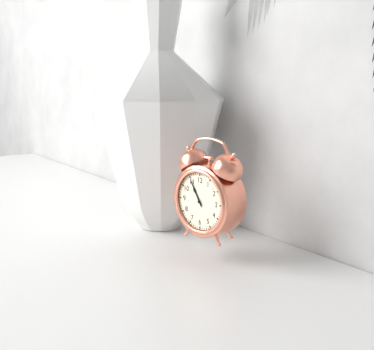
10:55
